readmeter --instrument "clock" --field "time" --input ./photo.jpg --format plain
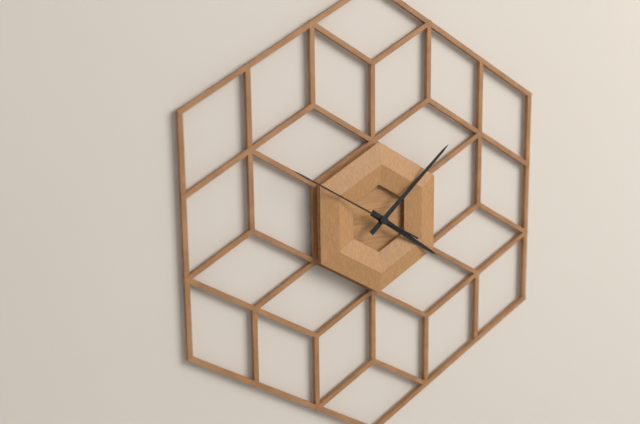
4:08:50
